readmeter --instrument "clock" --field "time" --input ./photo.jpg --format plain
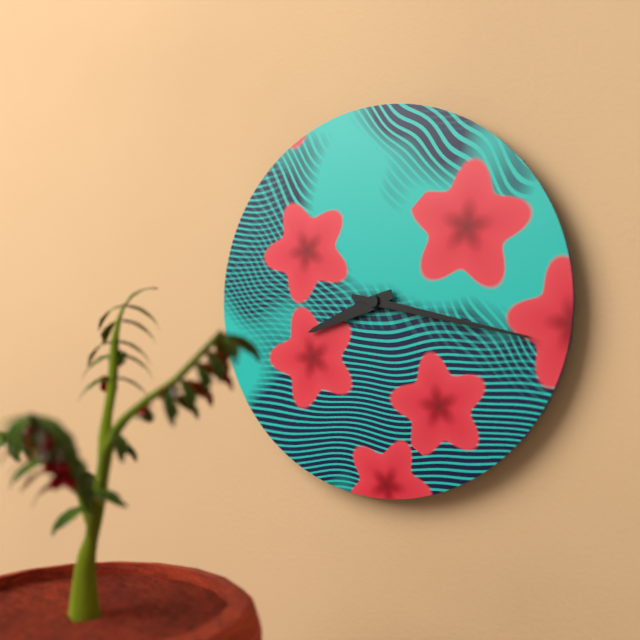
8:17
